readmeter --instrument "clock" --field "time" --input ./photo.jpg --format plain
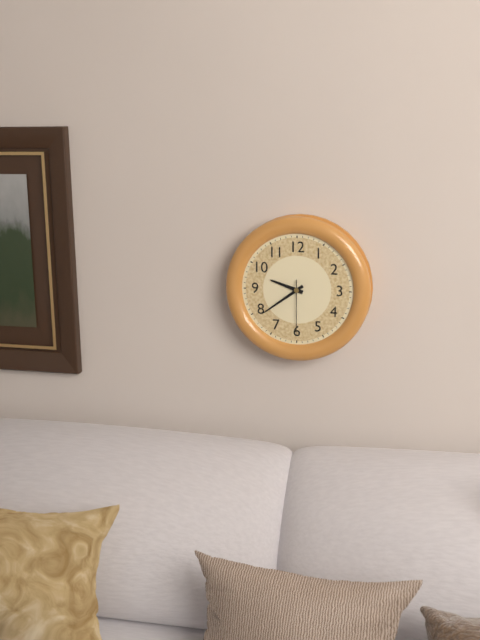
9:39:30
